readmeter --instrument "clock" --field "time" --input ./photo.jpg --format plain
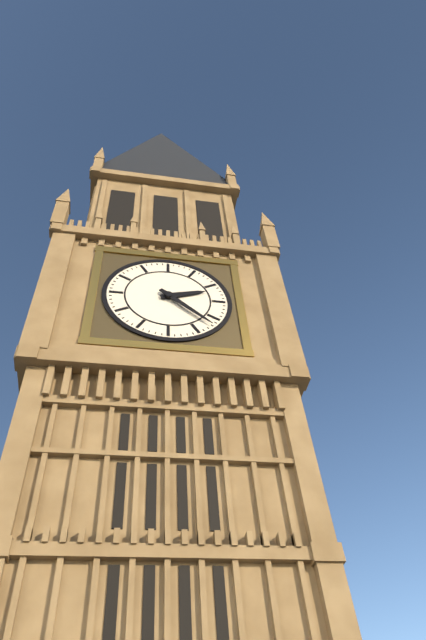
2:22
